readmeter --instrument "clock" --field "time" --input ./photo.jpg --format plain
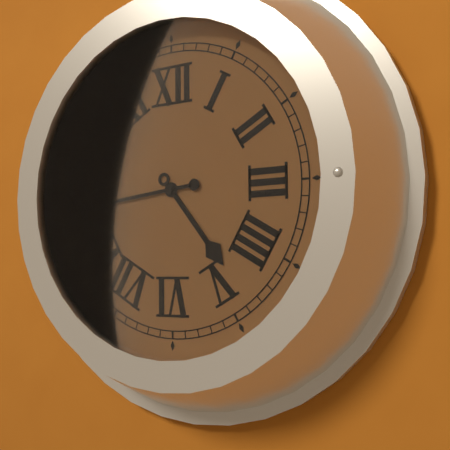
4:44
